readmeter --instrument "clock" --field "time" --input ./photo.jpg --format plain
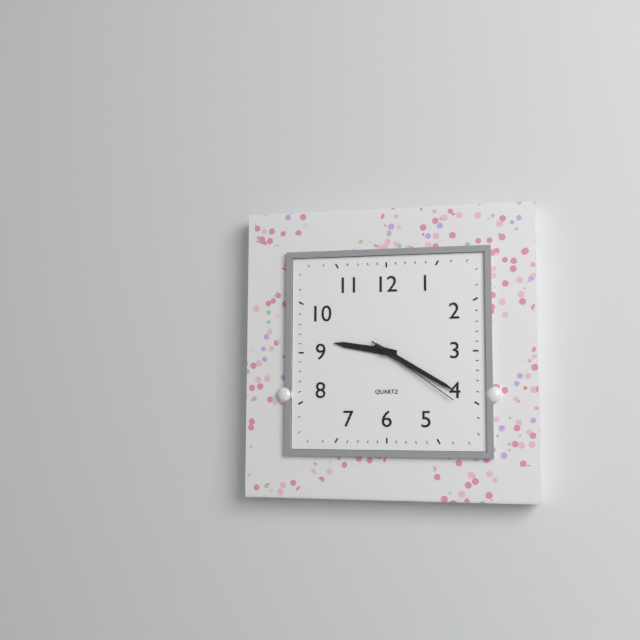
9:20:21
